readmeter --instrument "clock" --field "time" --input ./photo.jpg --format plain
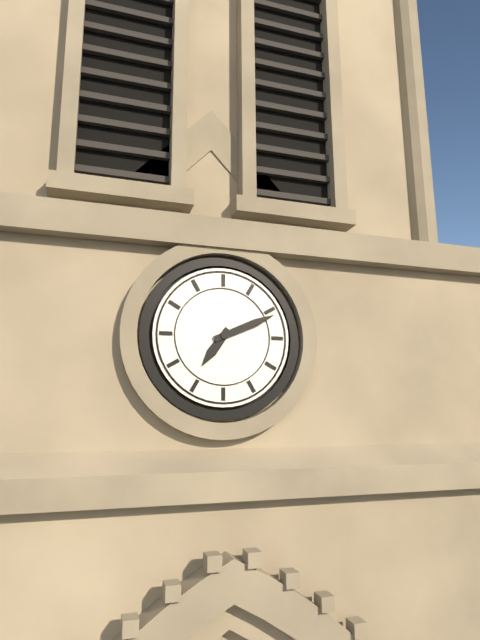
7:11
